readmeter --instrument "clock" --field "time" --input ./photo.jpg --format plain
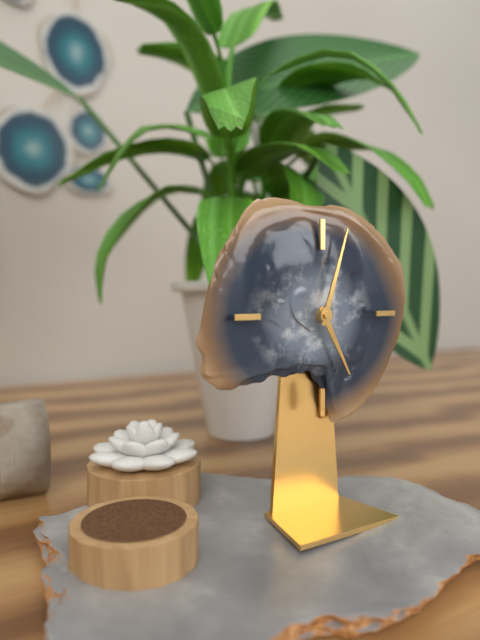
5:03
